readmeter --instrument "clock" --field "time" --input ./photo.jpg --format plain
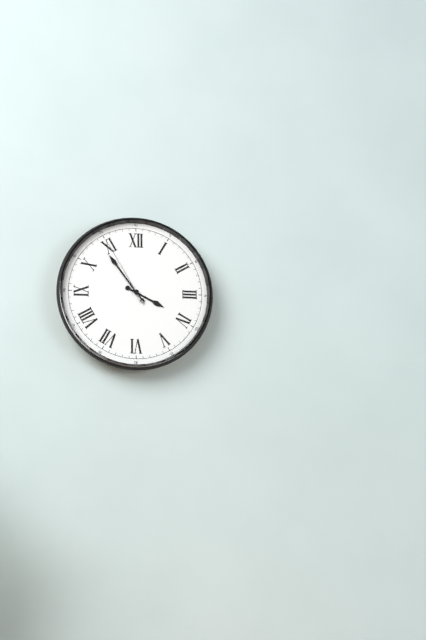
3:54:55
